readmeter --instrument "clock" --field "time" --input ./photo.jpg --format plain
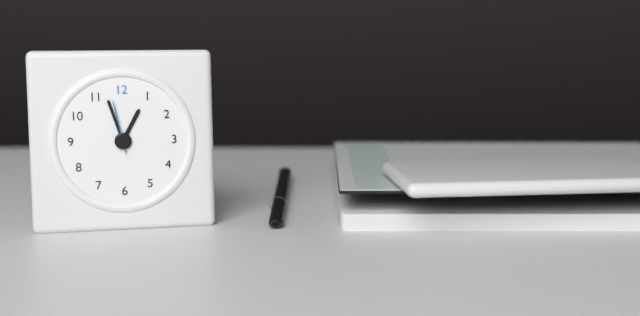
12:57:58
